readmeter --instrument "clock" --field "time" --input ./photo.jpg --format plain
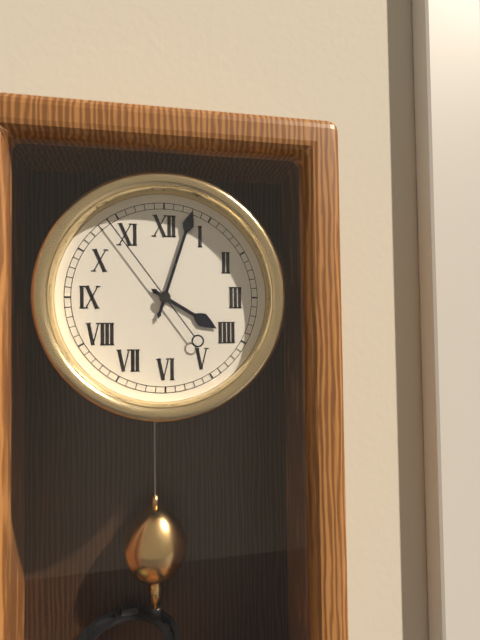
4:03:54
